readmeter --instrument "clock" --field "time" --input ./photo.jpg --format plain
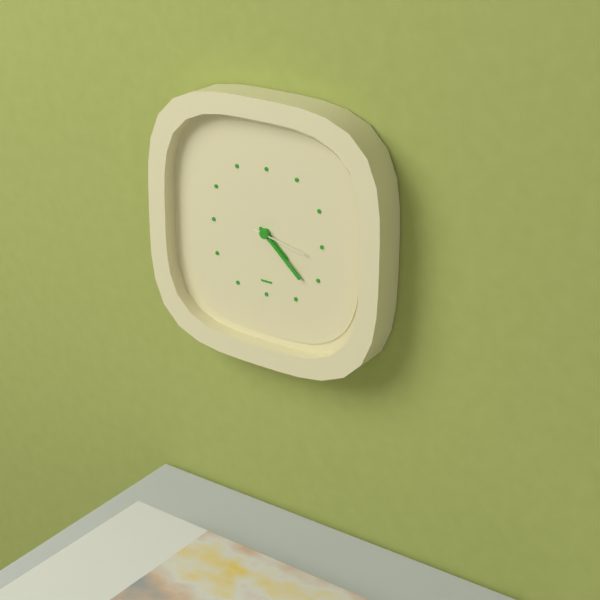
4:22:17
